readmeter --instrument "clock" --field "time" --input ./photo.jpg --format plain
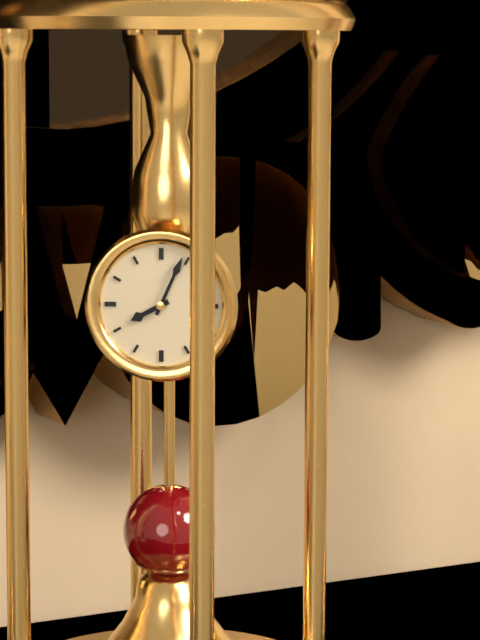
8:04
